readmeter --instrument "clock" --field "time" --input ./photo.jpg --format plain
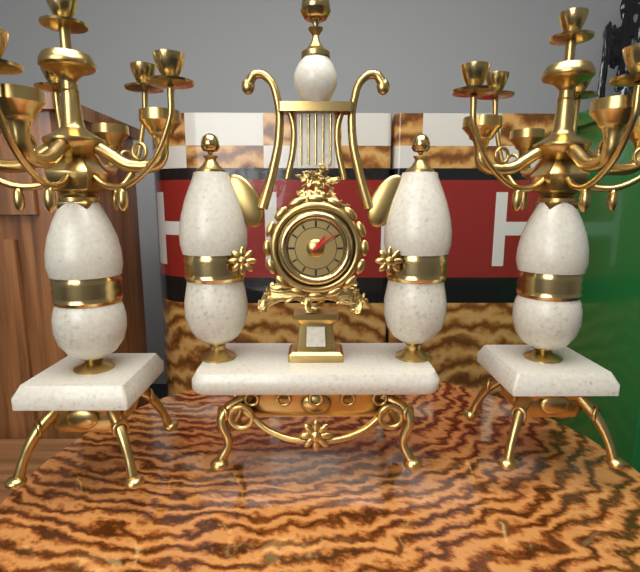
1:09
